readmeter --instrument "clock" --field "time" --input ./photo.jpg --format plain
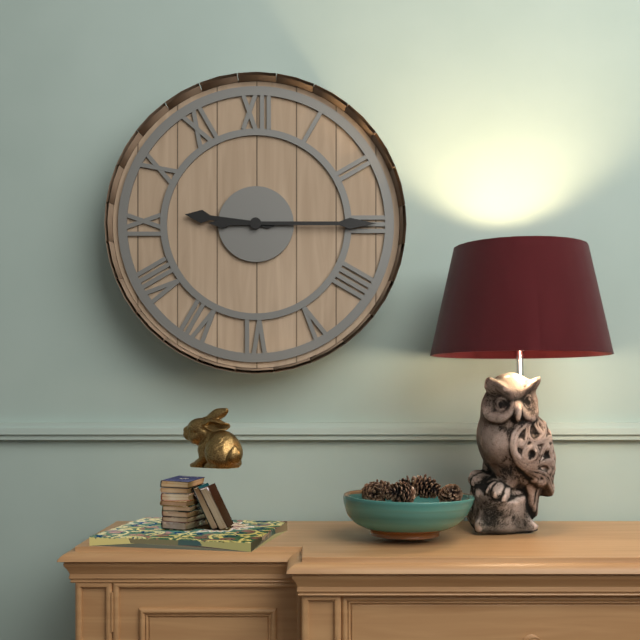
9:15
